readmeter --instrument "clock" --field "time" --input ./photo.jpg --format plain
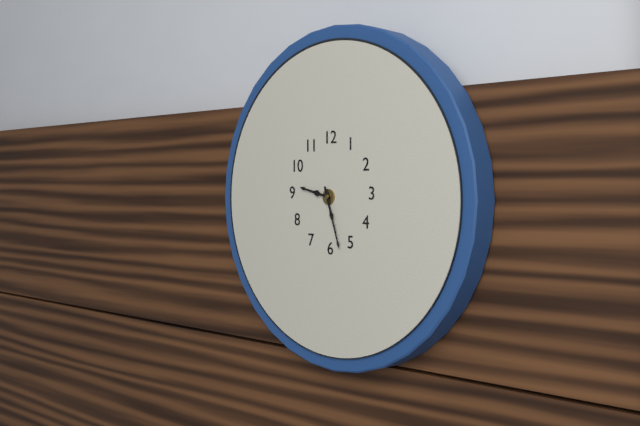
9:27
